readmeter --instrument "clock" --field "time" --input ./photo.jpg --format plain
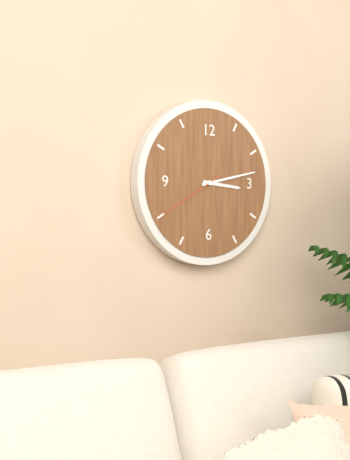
3:13:40
